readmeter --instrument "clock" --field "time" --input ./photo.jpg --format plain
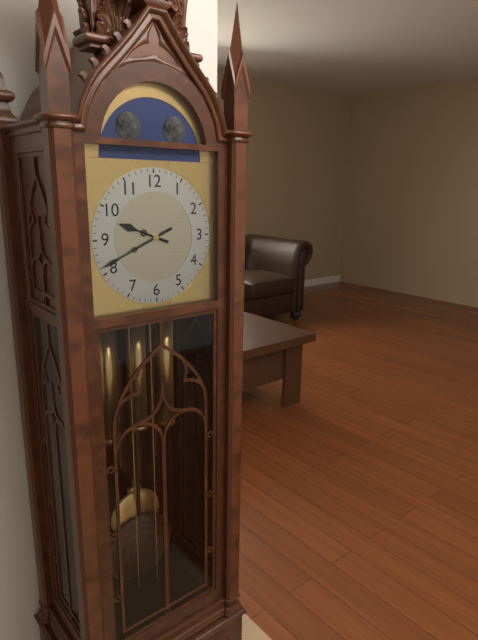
9:41
